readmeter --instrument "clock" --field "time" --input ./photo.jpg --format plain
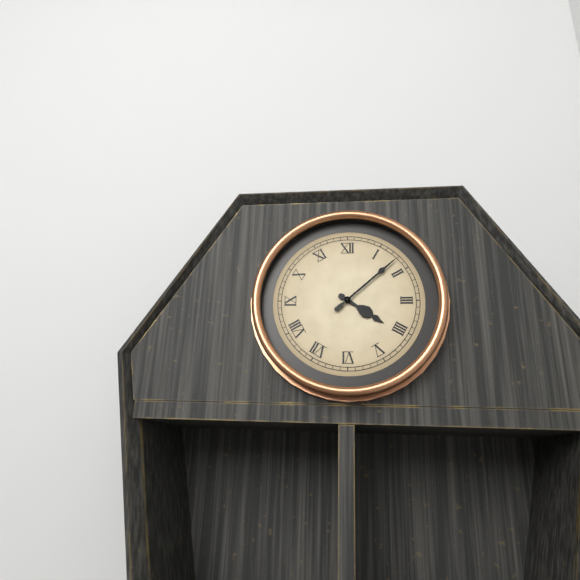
4:08
